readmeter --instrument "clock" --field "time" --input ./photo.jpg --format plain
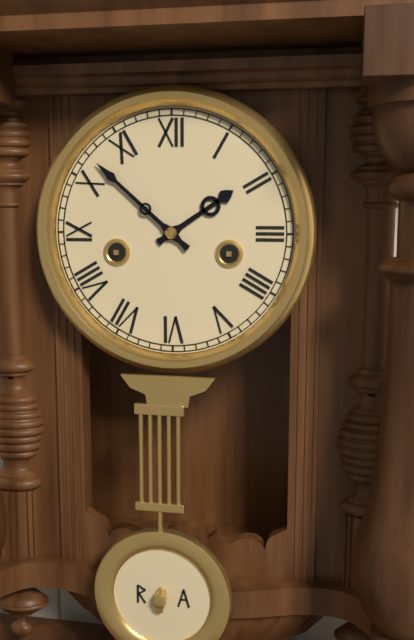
1:52
